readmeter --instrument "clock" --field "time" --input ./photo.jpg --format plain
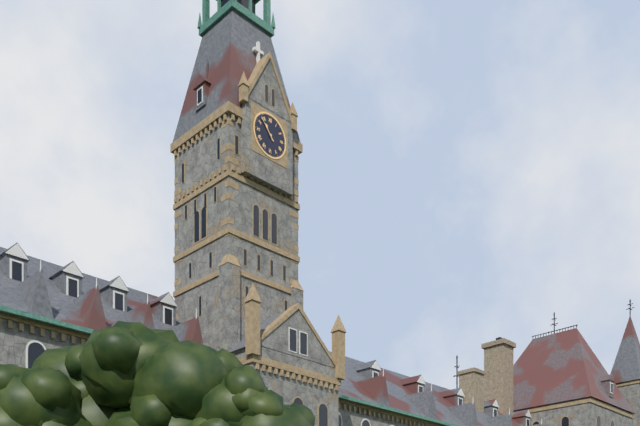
10:53
